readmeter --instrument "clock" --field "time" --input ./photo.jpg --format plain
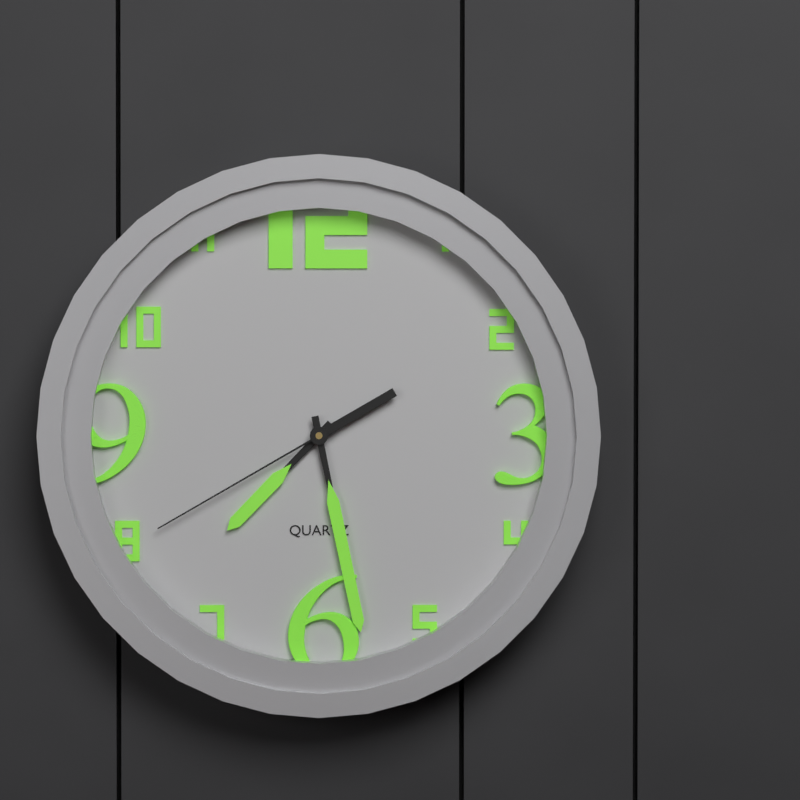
7:28:40
